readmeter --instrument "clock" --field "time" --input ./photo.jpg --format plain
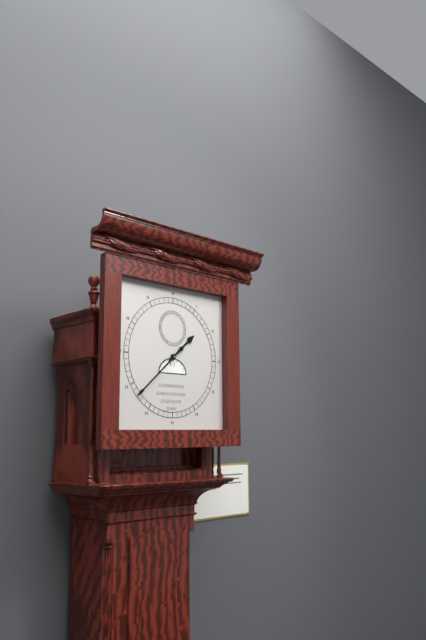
1:38
